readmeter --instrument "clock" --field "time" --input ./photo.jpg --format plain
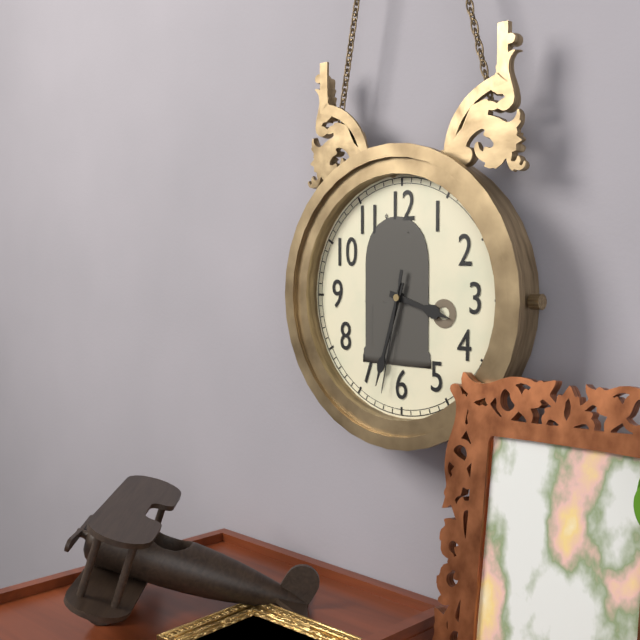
3:33:32
